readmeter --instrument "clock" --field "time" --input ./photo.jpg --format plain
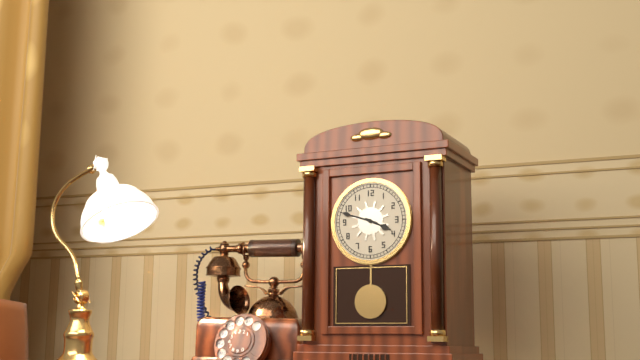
3:48
